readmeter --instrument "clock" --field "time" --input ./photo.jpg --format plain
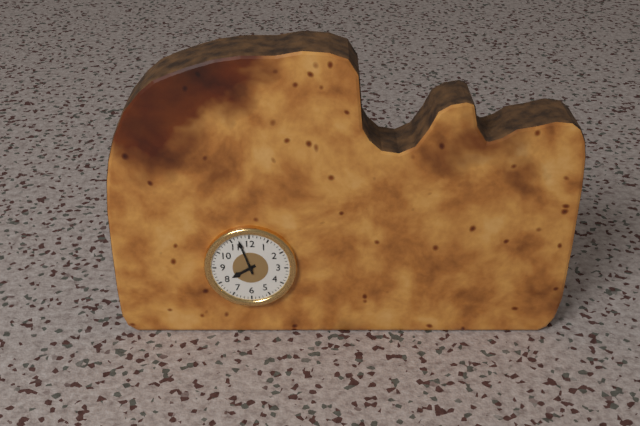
7:57
